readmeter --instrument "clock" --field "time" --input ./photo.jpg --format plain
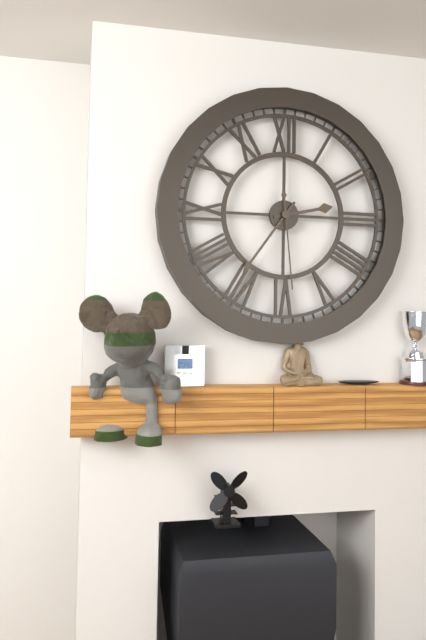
2:36:29
